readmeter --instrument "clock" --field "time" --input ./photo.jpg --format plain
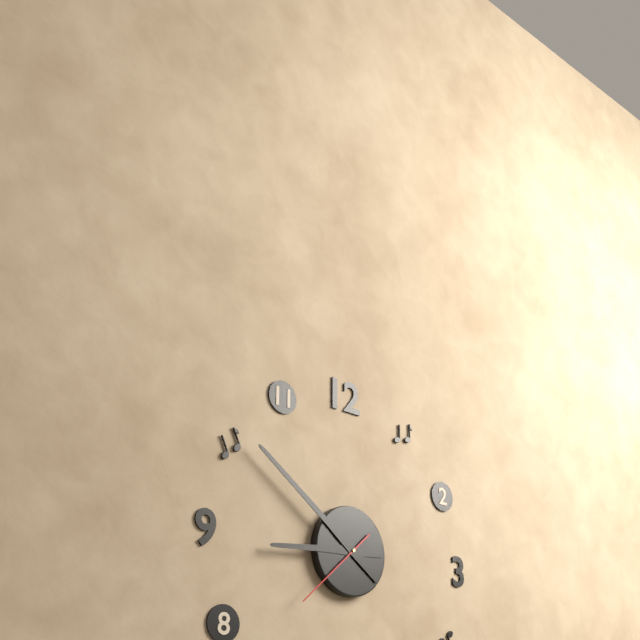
8:51:38
